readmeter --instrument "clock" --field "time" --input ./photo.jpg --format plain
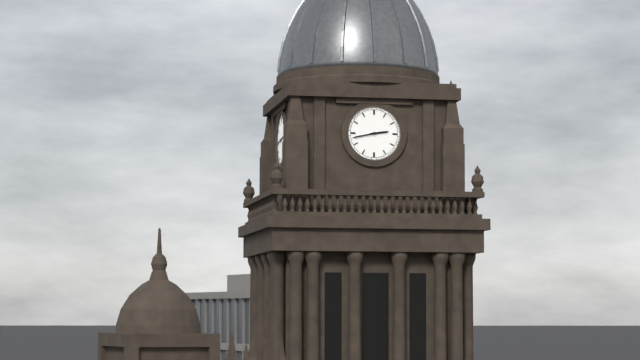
2:43
